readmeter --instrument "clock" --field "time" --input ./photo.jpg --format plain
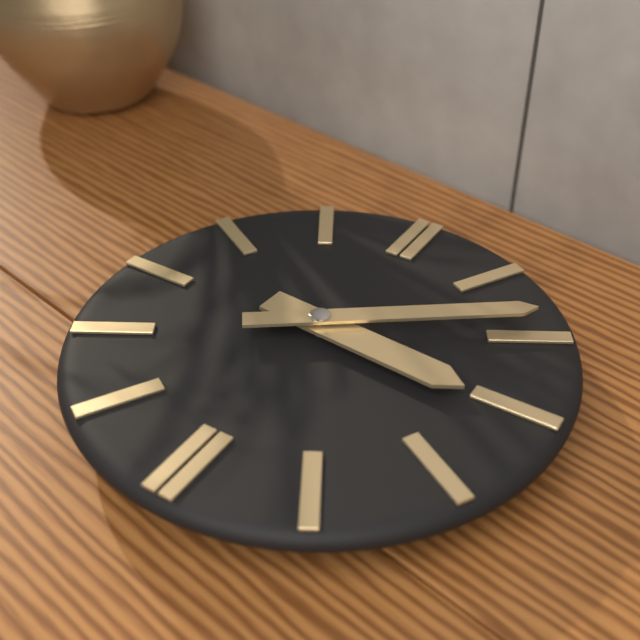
3:09
